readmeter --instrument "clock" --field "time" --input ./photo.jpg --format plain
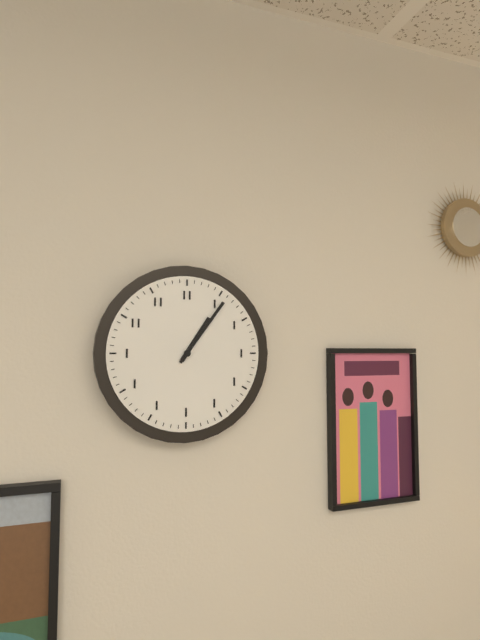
1:06
